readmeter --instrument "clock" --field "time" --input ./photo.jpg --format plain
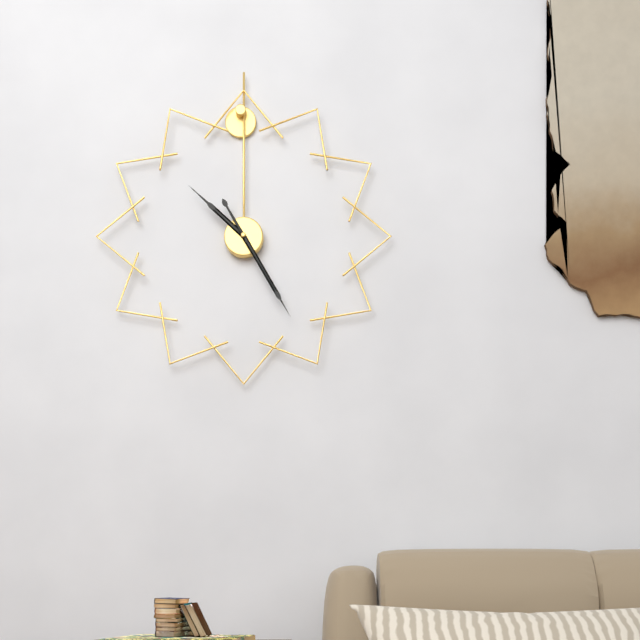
10:25
